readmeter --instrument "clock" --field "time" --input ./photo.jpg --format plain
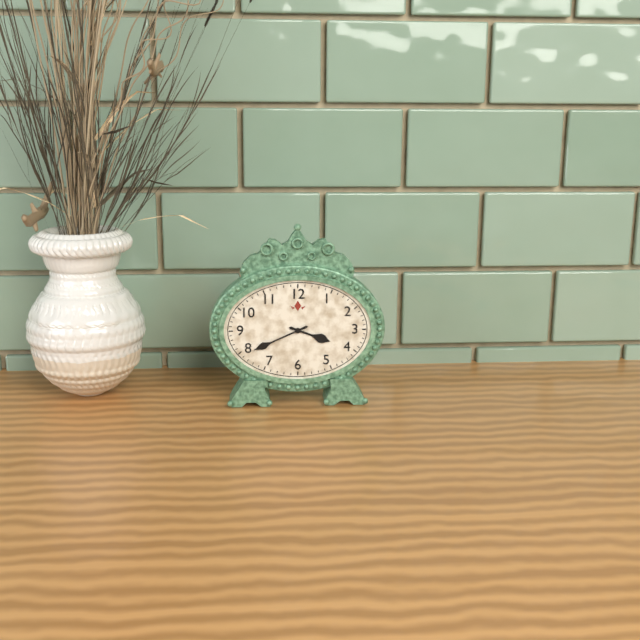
3:41
